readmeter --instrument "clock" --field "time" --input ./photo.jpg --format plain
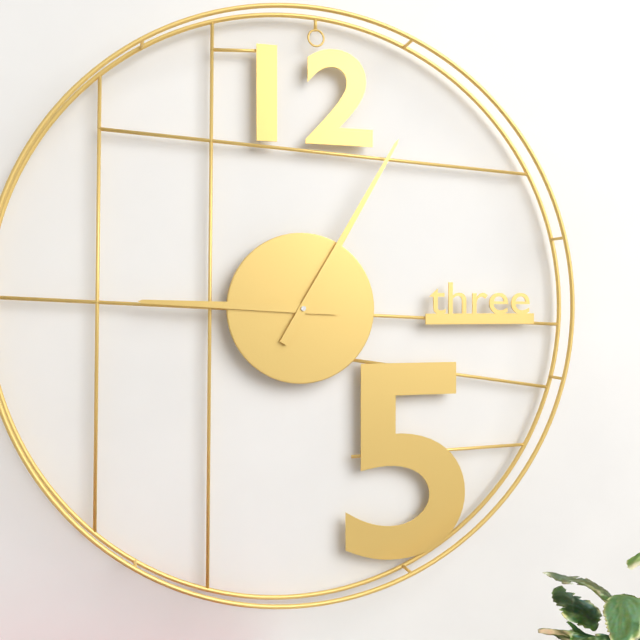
9:05
